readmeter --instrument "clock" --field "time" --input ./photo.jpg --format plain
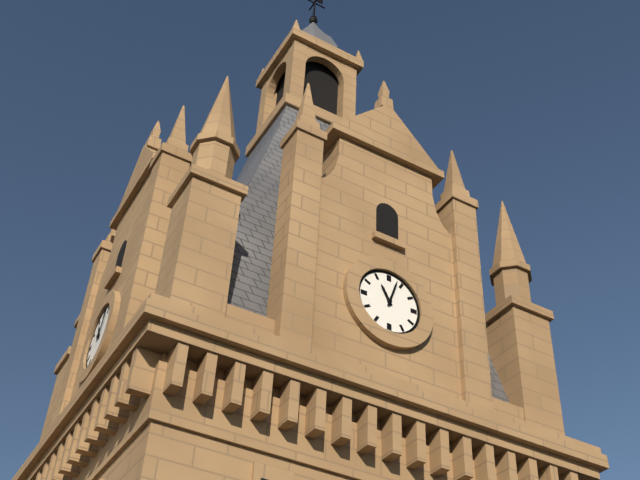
11:03
